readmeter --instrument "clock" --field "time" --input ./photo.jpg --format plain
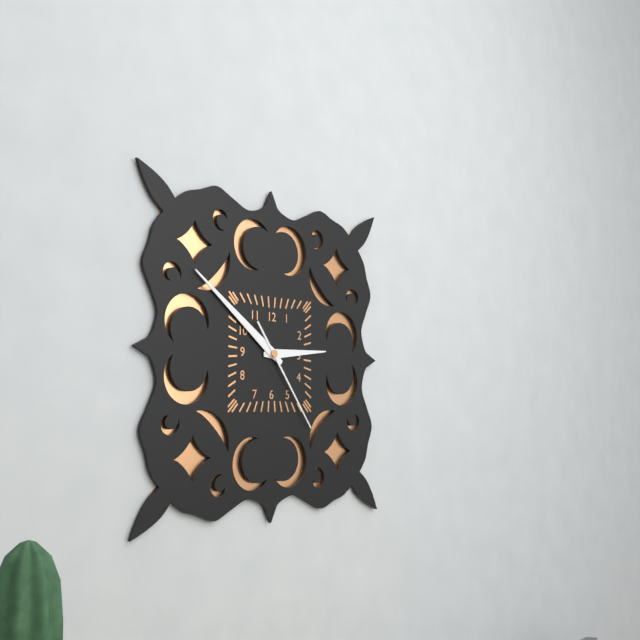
2:51:24
